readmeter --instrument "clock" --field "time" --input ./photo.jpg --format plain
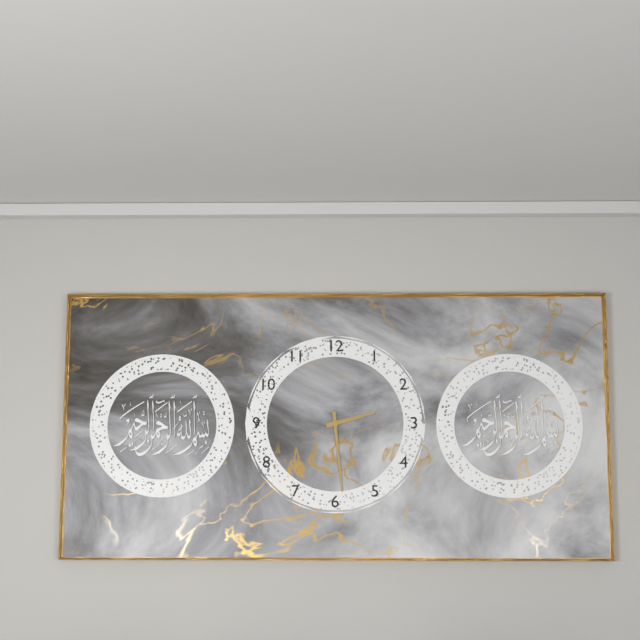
2:29
